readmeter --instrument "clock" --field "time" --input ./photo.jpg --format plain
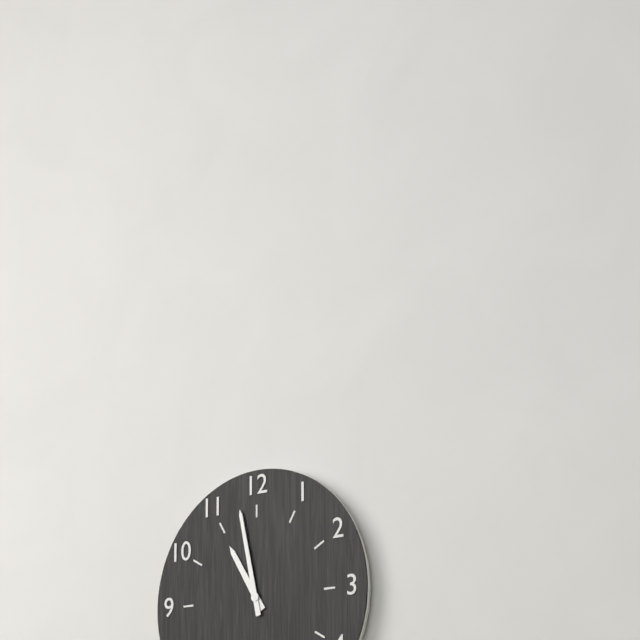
10:58
